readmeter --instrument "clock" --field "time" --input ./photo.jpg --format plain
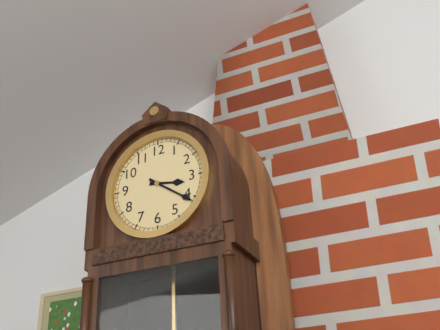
3:21
